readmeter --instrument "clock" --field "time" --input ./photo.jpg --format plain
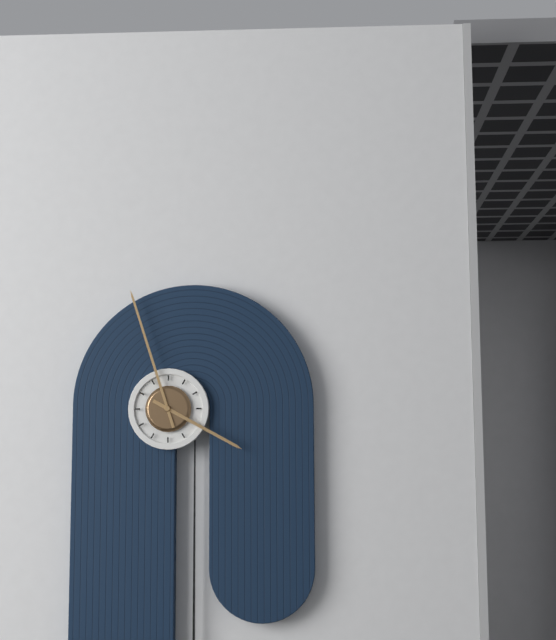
3:57
